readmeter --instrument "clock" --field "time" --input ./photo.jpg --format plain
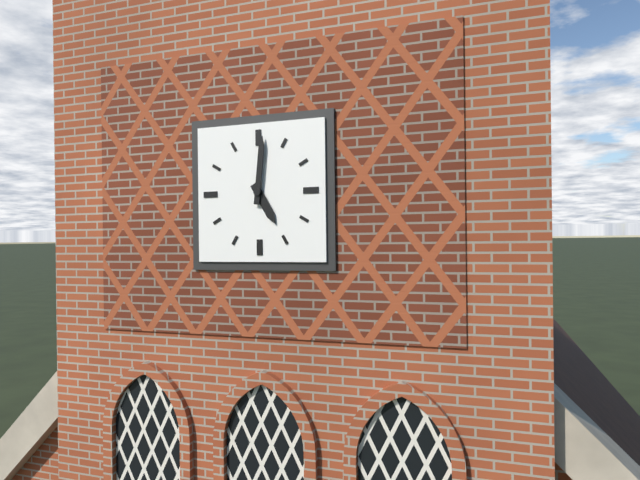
5:01
